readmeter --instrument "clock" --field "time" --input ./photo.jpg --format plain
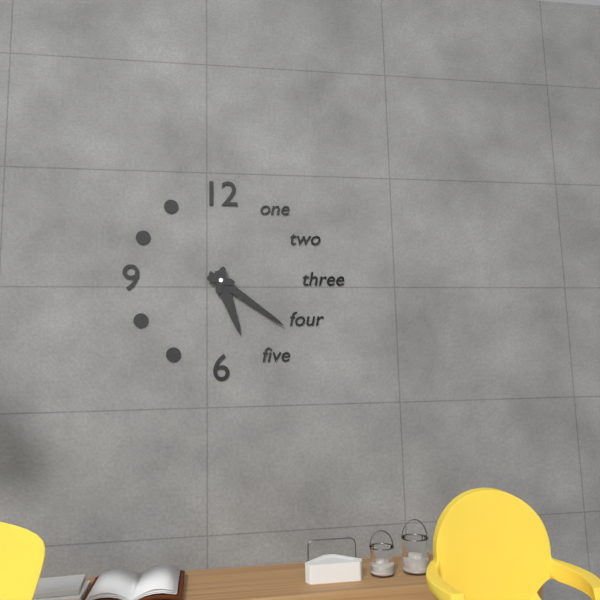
5:21
